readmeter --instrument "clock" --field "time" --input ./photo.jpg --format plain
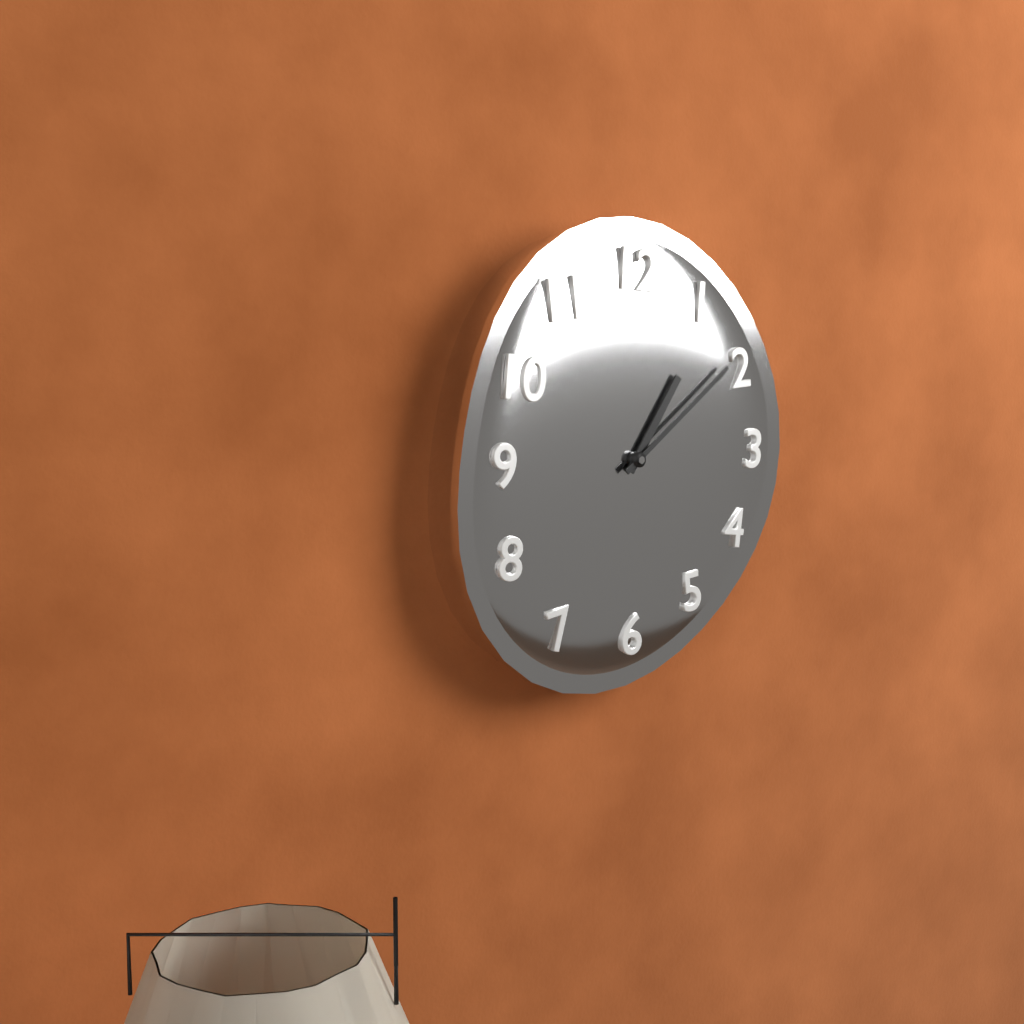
1:09
